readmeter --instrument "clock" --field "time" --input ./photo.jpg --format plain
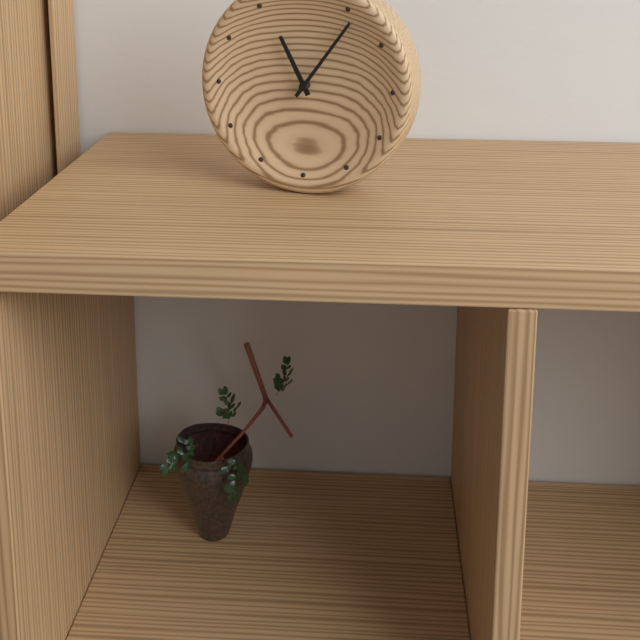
11:06
